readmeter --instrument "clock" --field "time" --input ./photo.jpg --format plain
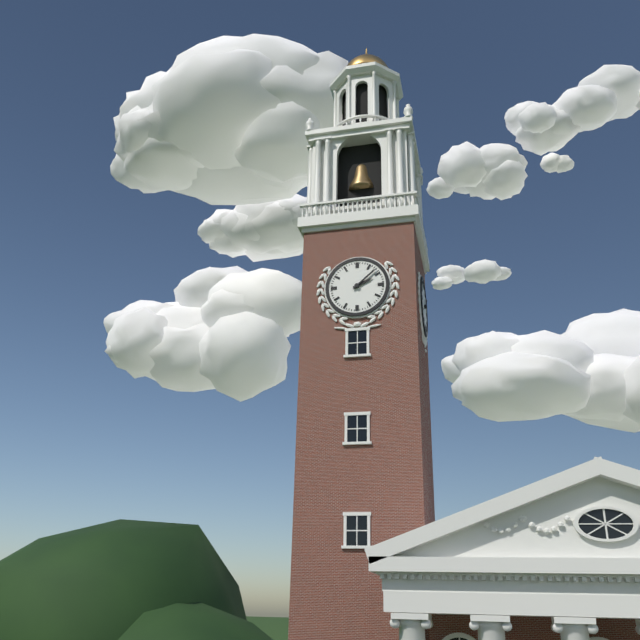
2:08
